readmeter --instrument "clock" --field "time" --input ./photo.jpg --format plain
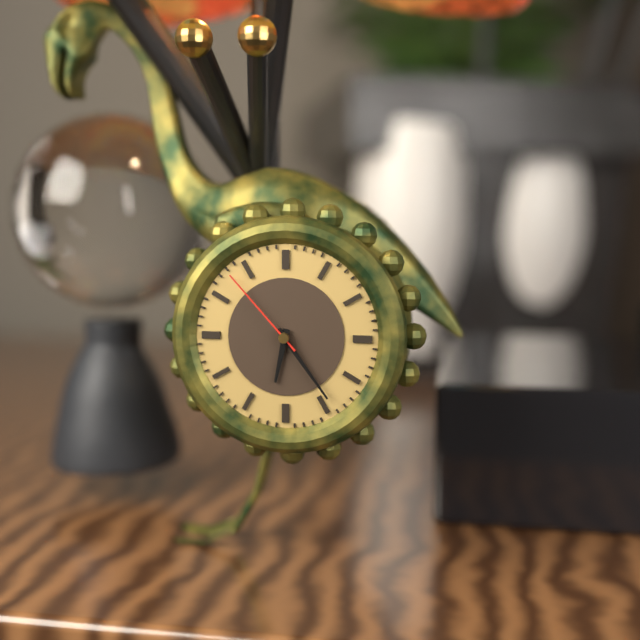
6:24:53
